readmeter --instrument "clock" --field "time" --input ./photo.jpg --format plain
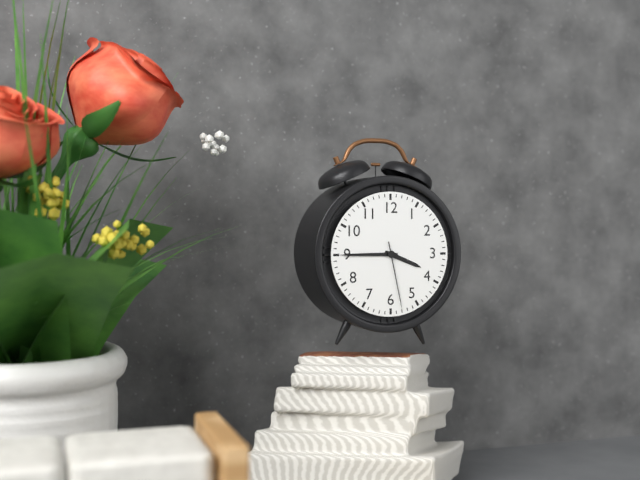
3:45:28
